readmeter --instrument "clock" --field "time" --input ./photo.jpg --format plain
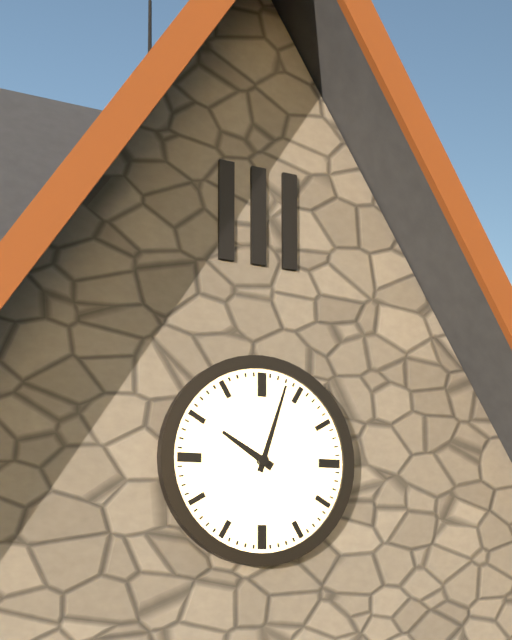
10:03
